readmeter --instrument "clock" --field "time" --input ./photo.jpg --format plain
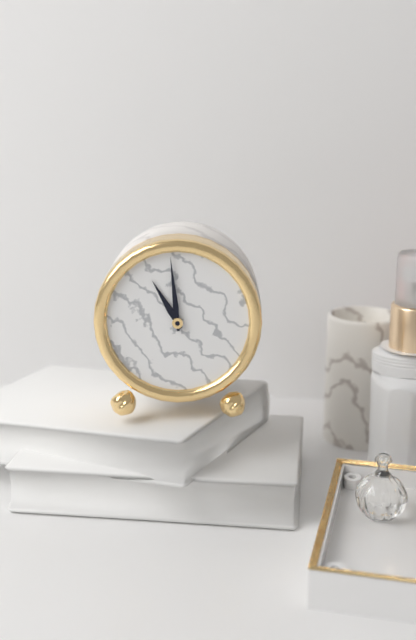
10:59
